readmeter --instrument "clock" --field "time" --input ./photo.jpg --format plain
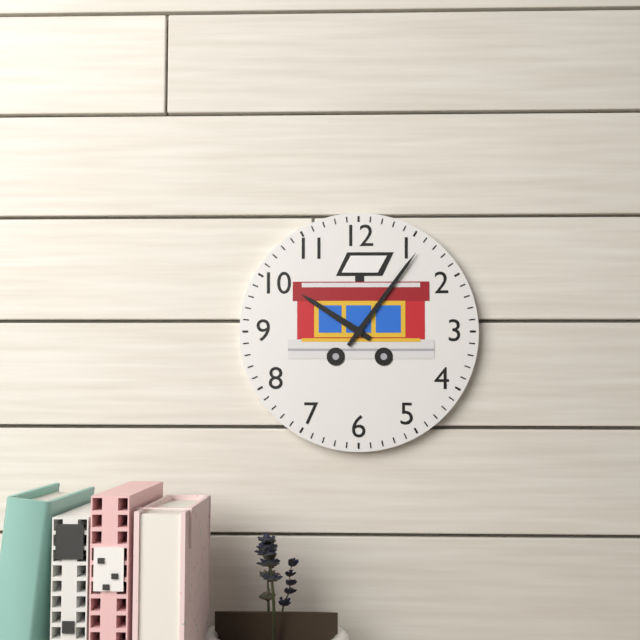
10:06
